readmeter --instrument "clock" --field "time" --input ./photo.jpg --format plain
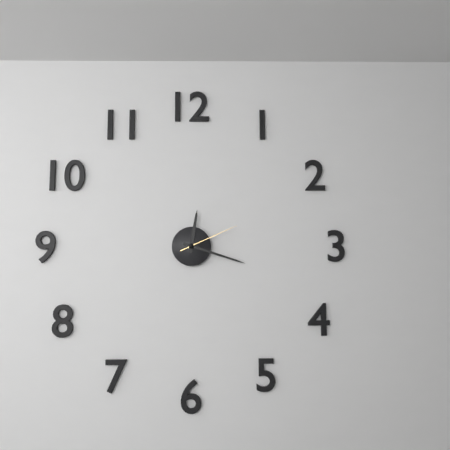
12:18:11
